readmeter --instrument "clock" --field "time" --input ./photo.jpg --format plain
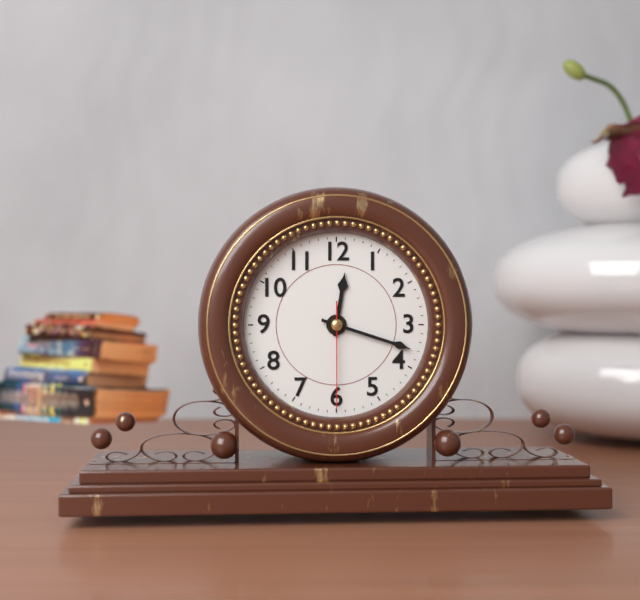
12:18:30
